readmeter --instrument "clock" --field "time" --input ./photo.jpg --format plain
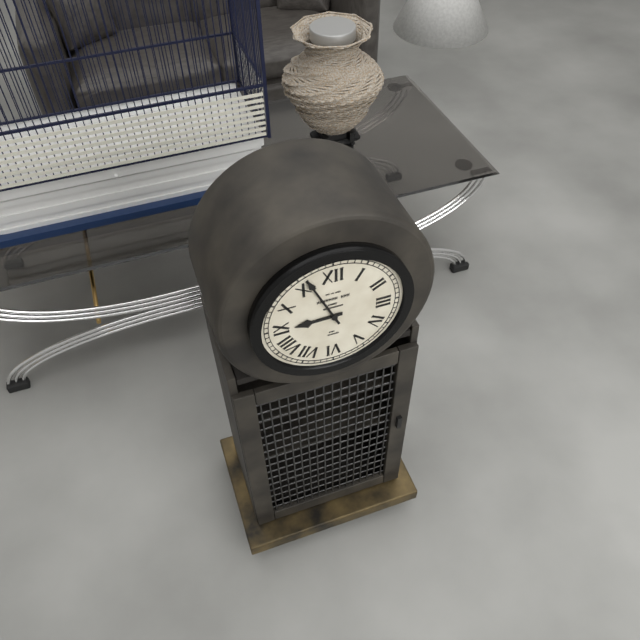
8:56
